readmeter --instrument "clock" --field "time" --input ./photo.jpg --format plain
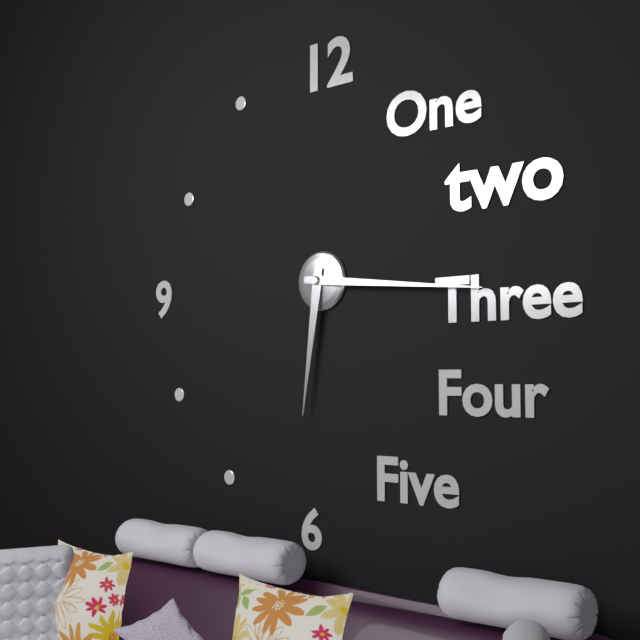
6:16
